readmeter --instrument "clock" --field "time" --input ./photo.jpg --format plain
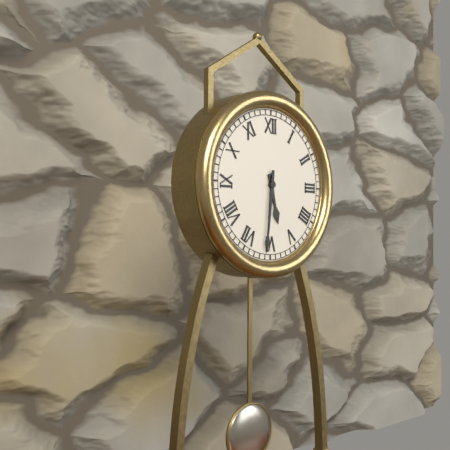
5:31
